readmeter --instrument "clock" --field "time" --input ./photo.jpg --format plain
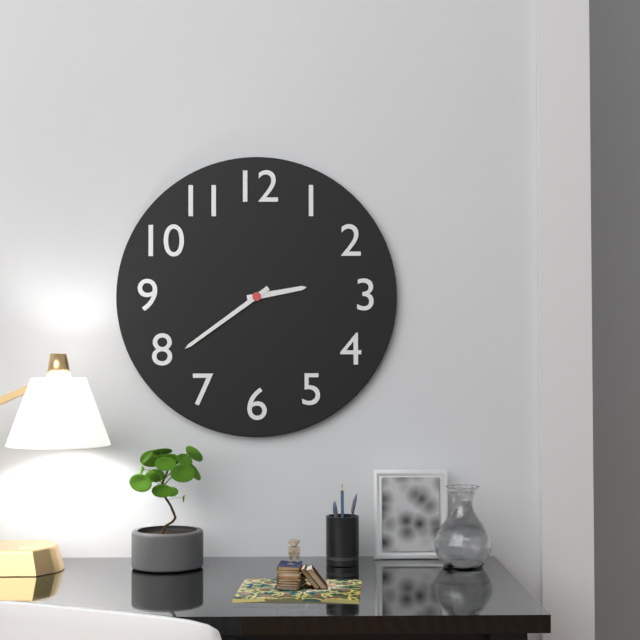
2:39
